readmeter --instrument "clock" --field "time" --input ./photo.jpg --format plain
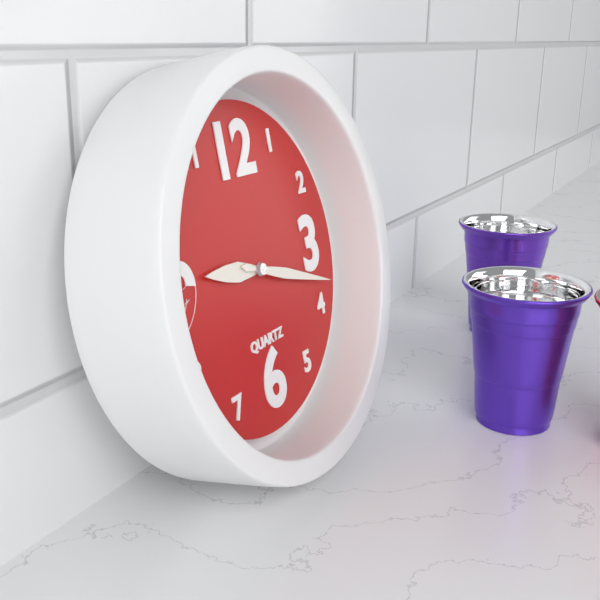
9:18
